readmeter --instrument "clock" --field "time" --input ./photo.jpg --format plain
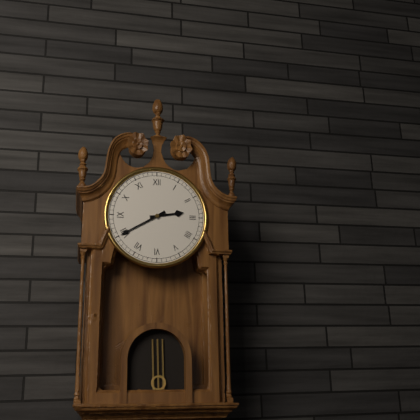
2:40
